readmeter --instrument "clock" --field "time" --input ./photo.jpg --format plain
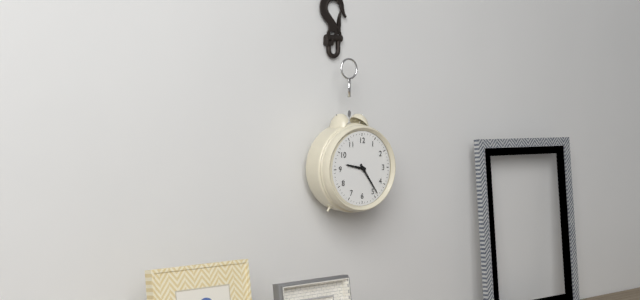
9:24
